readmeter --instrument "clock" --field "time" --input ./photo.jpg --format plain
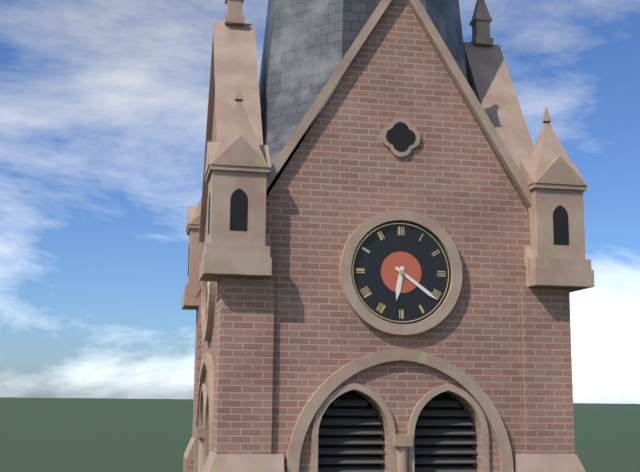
6:21
